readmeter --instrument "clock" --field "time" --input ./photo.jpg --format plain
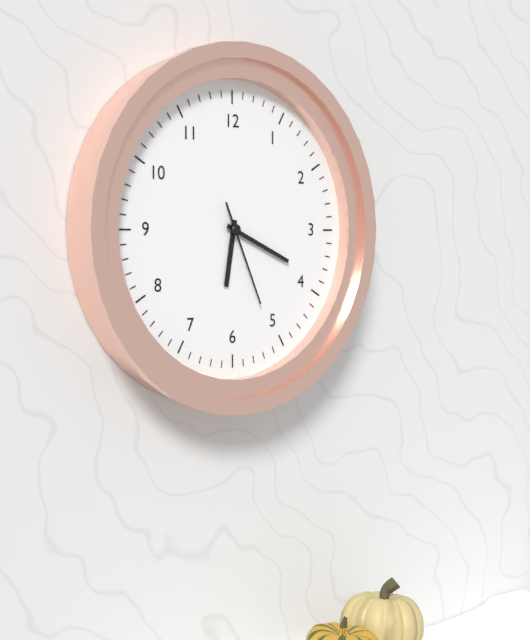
6:19:26
